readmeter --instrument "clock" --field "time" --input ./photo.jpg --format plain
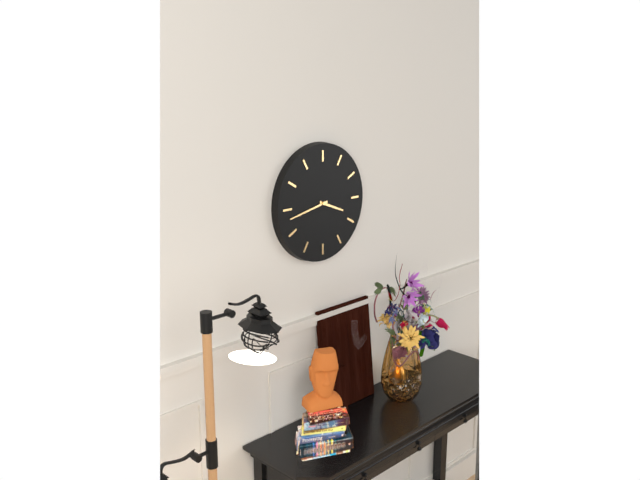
3:43
